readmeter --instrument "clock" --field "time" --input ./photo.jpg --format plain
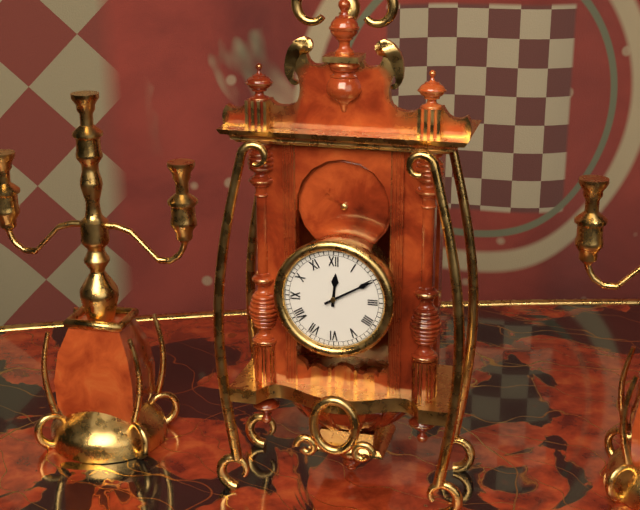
12:10
